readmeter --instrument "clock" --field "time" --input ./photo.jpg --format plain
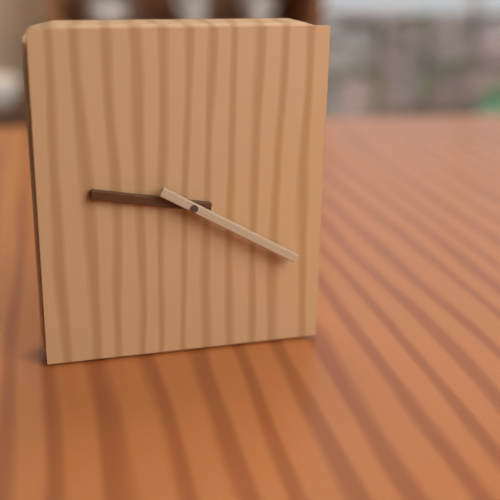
9:20
